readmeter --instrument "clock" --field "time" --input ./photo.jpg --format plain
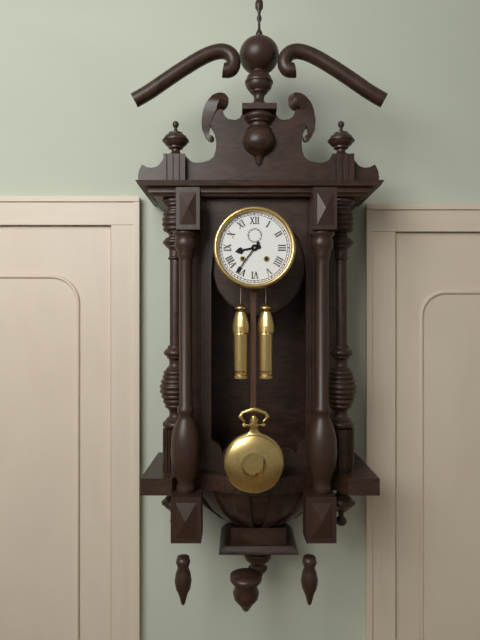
8:36
